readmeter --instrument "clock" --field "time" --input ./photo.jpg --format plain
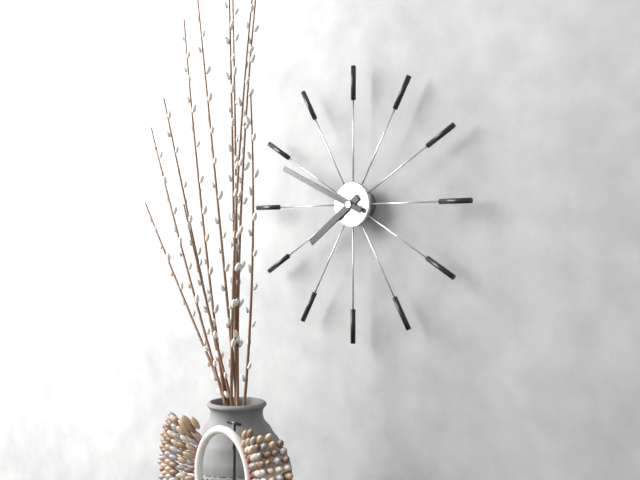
7:49
